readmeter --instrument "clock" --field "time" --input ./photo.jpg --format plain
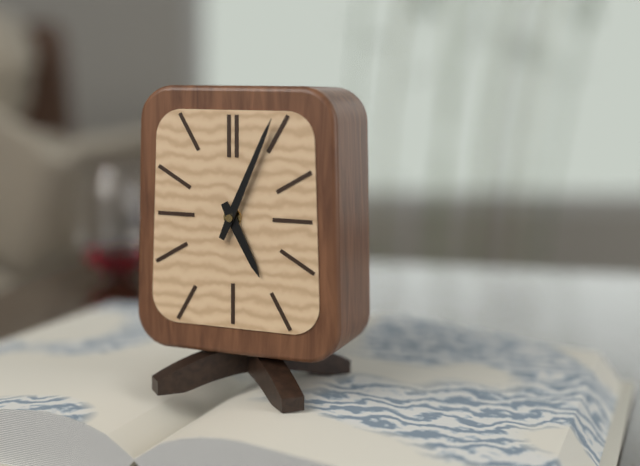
5:04
